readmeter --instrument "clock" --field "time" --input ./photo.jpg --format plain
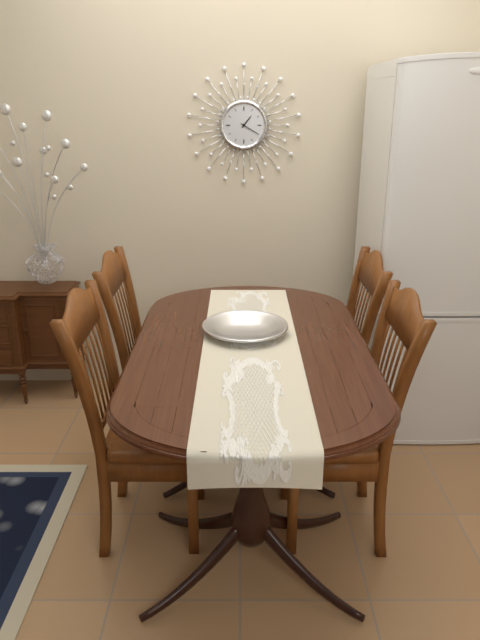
1:20
